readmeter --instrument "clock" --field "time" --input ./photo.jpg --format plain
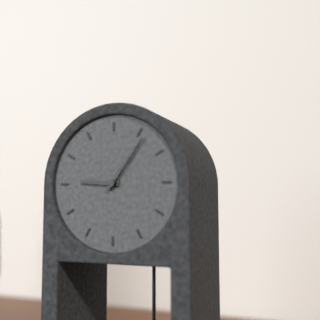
9:06
